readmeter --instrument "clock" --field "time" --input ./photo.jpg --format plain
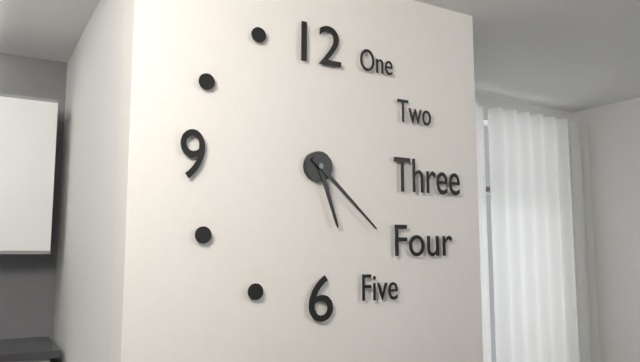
5:22
